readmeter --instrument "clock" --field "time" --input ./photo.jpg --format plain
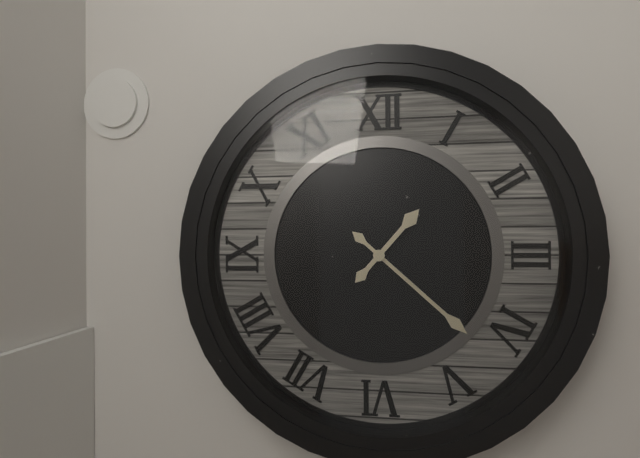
1:22
